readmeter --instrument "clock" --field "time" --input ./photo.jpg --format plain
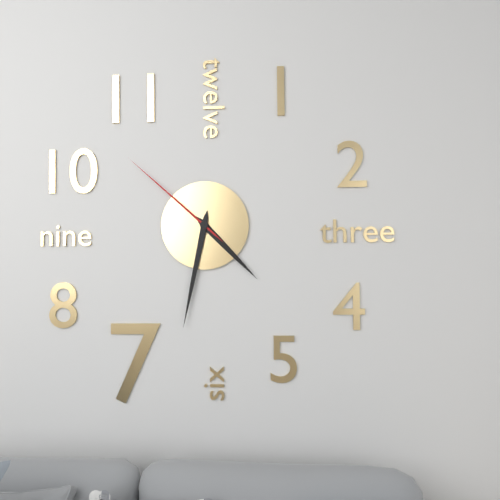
4:32:52
